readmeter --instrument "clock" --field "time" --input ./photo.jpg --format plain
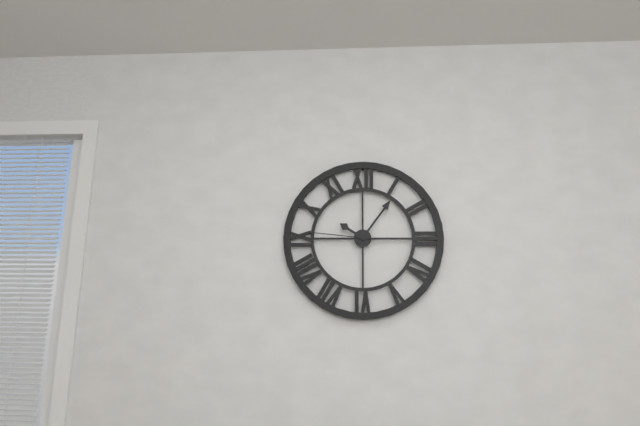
10:06:46
